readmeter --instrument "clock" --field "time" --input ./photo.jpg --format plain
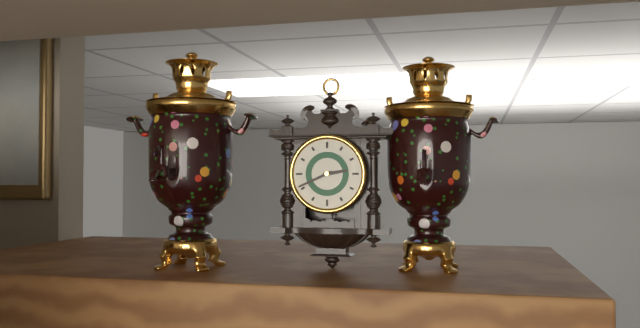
2:41
